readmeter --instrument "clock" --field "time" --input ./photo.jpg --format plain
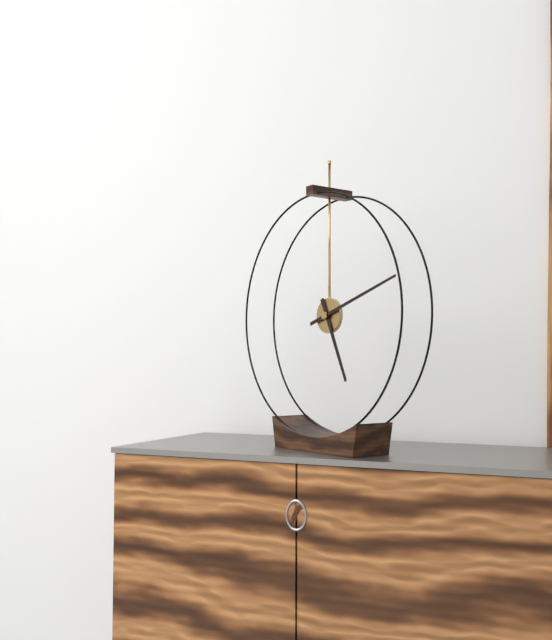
5:12
